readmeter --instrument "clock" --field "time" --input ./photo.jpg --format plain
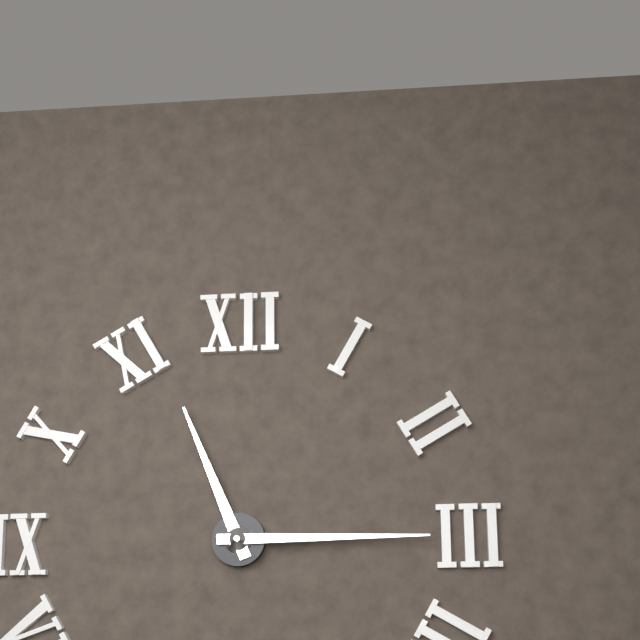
11:15
